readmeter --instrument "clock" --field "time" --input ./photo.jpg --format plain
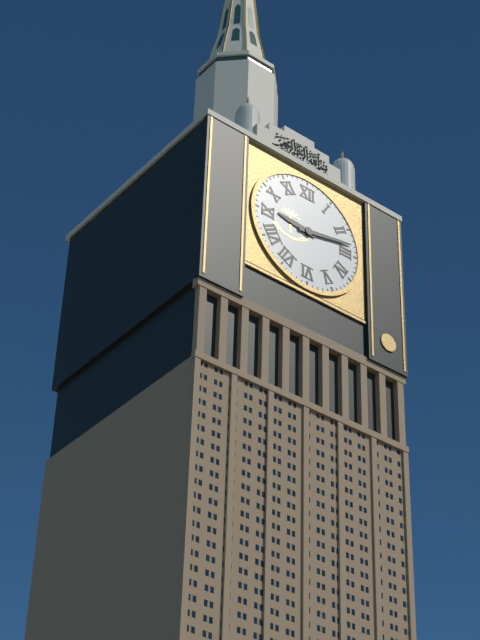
9:13
